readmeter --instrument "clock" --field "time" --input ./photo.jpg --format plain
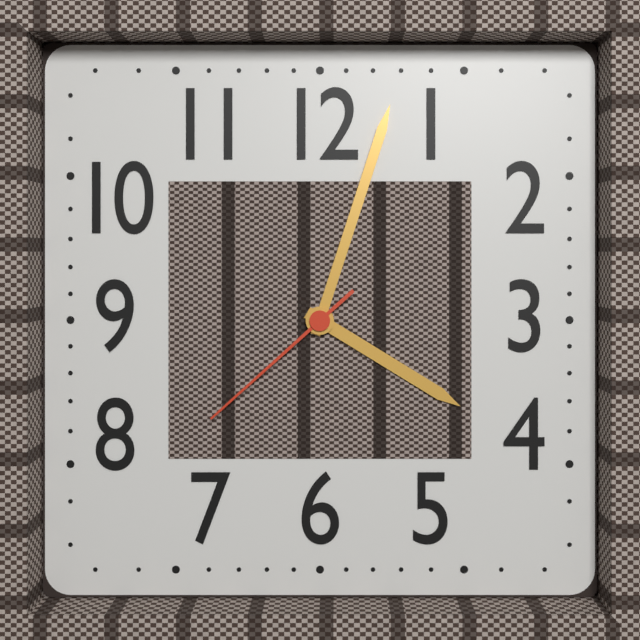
4:03:38
